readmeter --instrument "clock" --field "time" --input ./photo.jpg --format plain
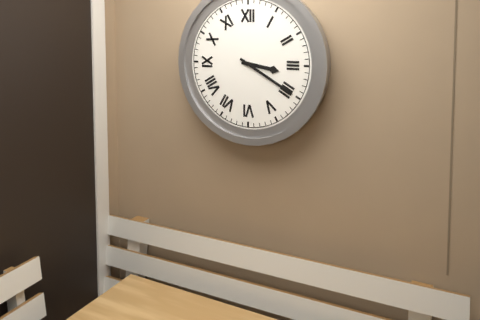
3:20
